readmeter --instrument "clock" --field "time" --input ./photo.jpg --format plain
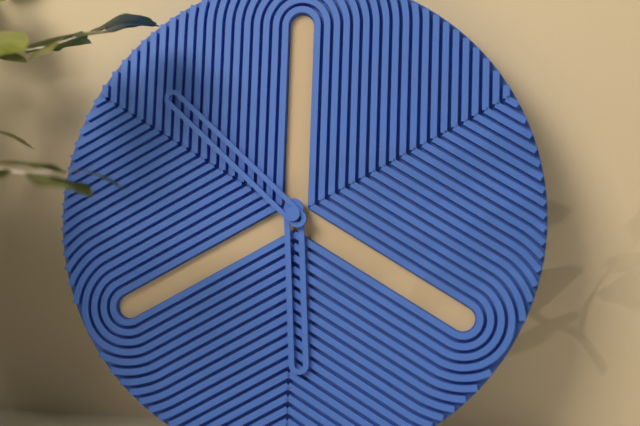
5:52
